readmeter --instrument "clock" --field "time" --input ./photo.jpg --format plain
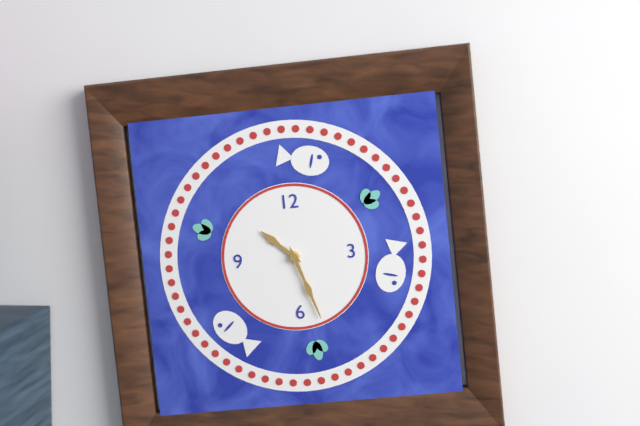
10:27
